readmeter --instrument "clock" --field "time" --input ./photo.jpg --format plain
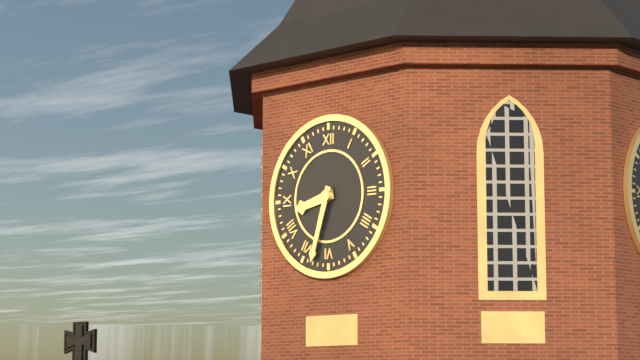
8:33
